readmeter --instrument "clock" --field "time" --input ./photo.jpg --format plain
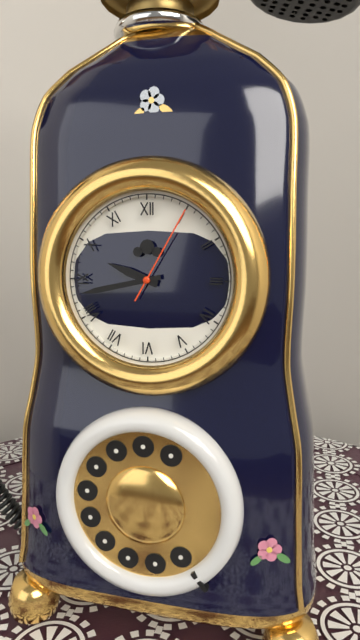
9:43:05
